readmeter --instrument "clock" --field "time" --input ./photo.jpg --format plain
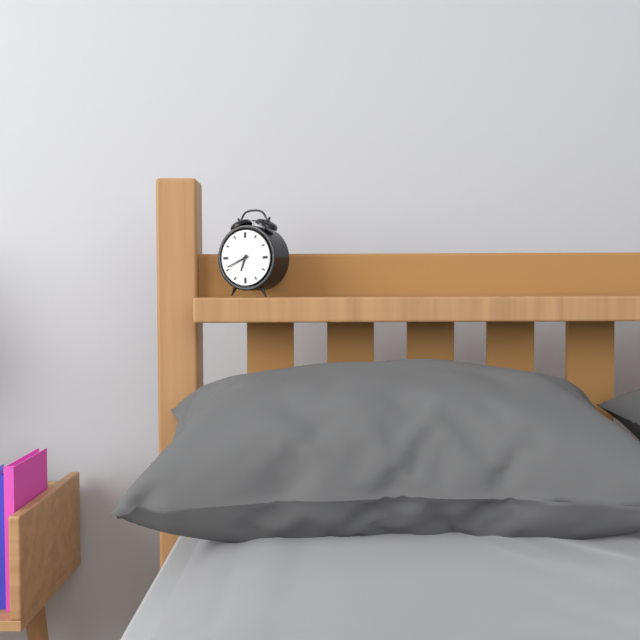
6:41
